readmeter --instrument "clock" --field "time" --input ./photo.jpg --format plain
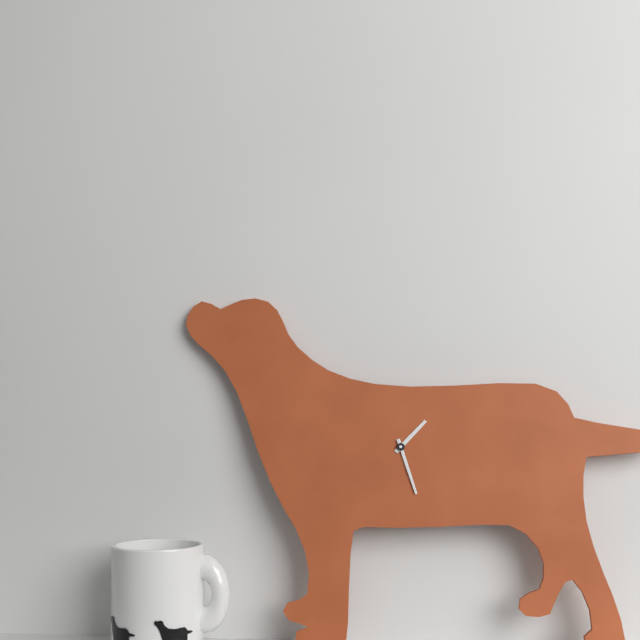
1:27
